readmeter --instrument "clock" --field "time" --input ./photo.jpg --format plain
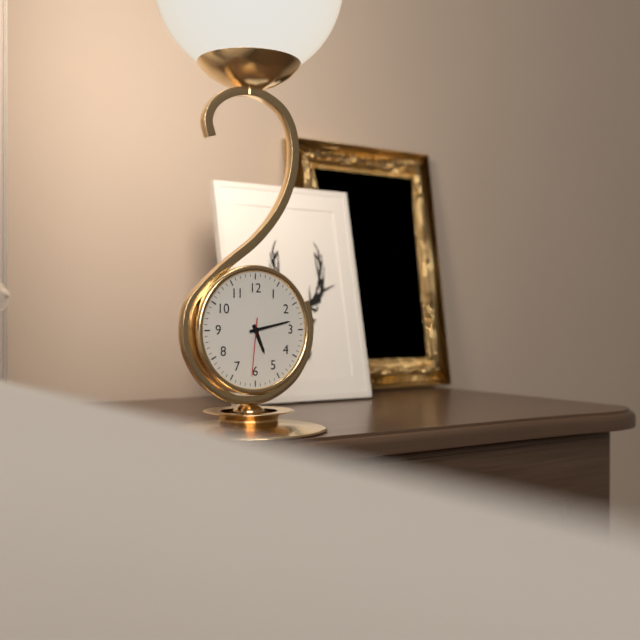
5:13:31
